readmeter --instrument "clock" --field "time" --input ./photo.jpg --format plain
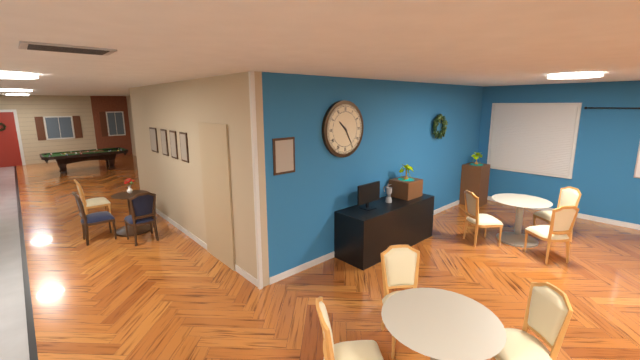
10:25
